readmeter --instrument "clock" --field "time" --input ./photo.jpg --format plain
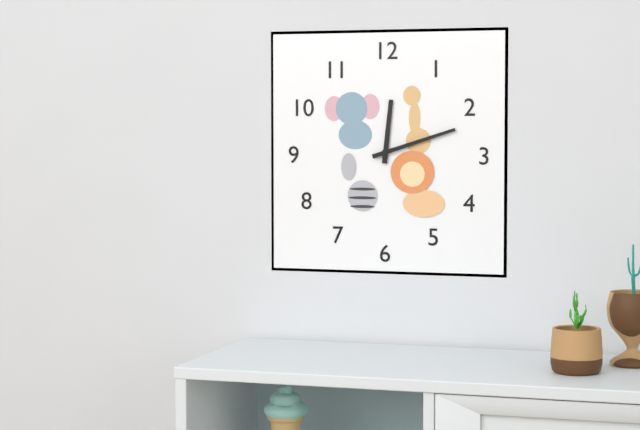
12:12
